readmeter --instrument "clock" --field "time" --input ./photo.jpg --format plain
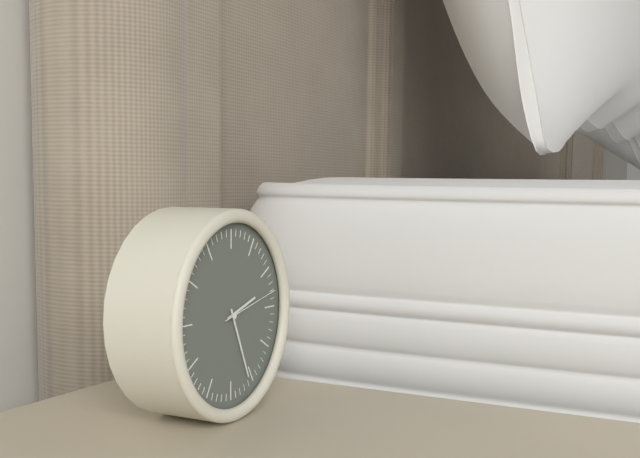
2:26:13
